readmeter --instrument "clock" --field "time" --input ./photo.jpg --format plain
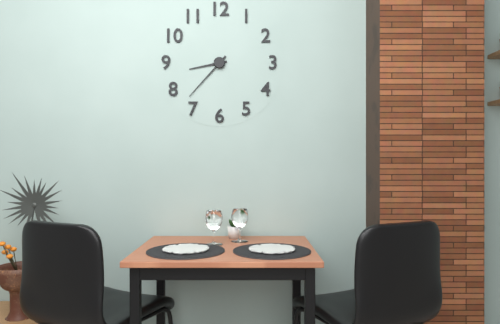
8:37
